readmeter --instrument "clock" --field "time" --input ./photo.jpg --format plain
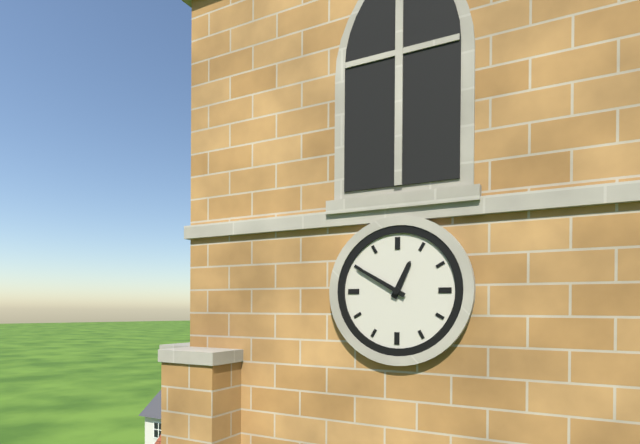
12:50
